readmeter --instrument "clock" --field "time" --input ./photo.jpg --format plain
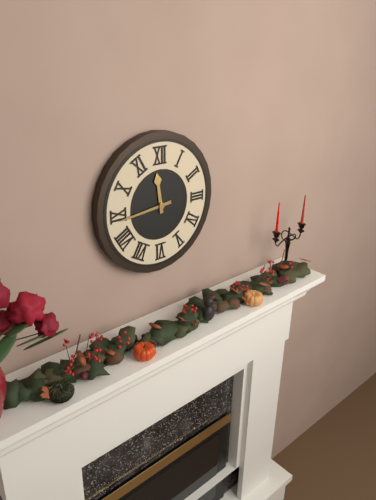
11:44
